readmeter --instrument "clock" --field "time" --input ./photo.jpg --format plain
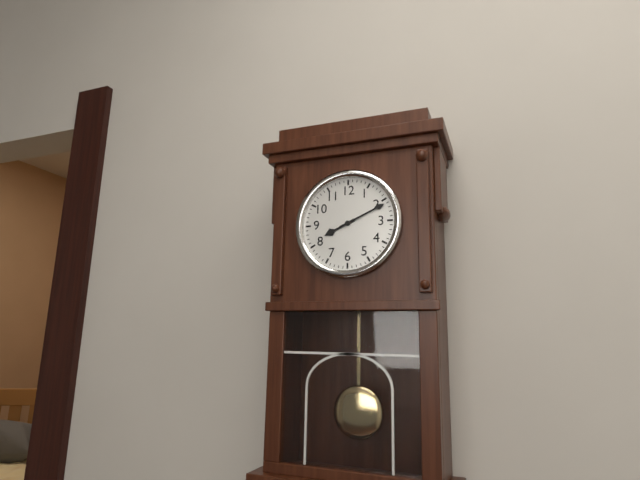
8:11
